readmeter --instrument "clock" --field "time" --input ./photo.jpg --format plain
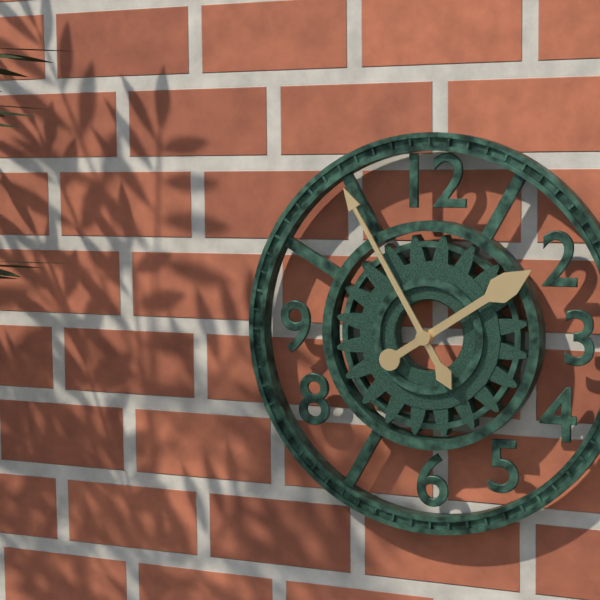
1:55
